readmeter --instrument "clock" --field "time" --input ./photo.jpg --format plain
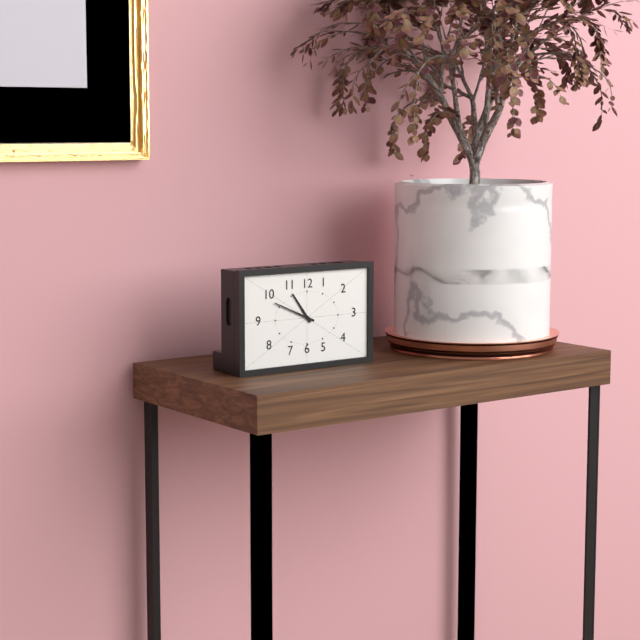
10:49
